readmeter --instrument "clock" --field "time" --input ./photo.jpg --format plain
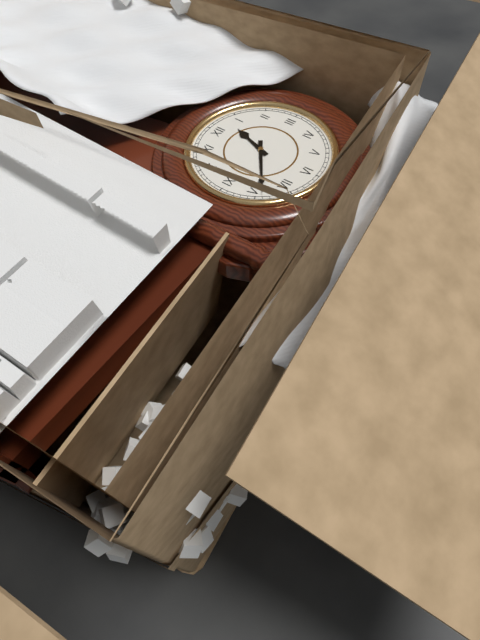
12:39
